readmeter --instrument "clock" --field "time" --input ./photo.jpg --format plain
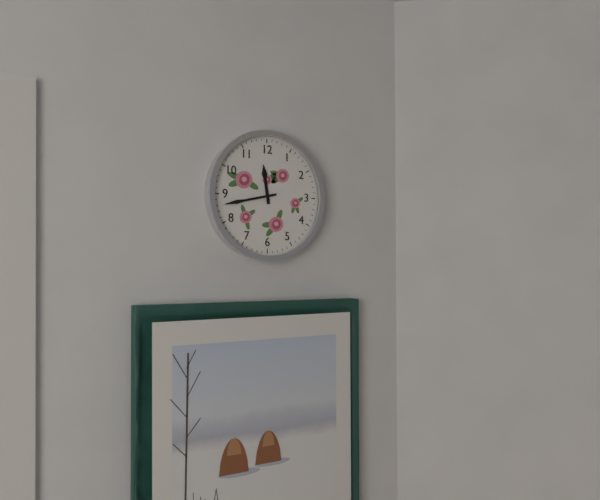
11:43
